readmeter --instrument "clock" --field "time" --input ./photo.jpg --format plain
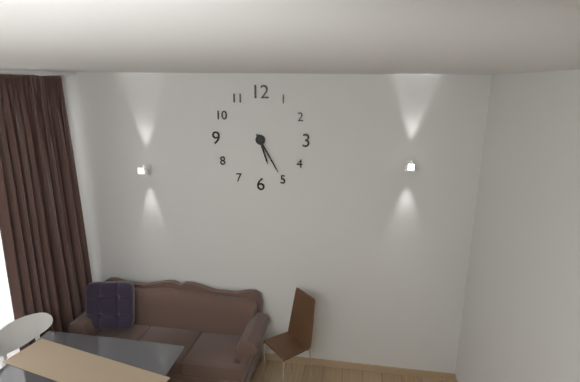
5:25
